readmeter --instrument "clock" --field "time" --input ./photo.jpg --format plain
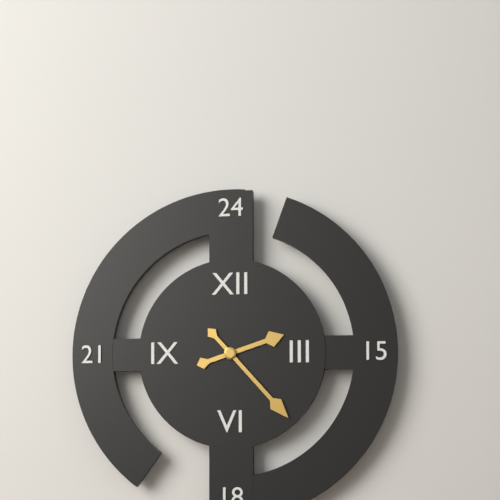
2:23
